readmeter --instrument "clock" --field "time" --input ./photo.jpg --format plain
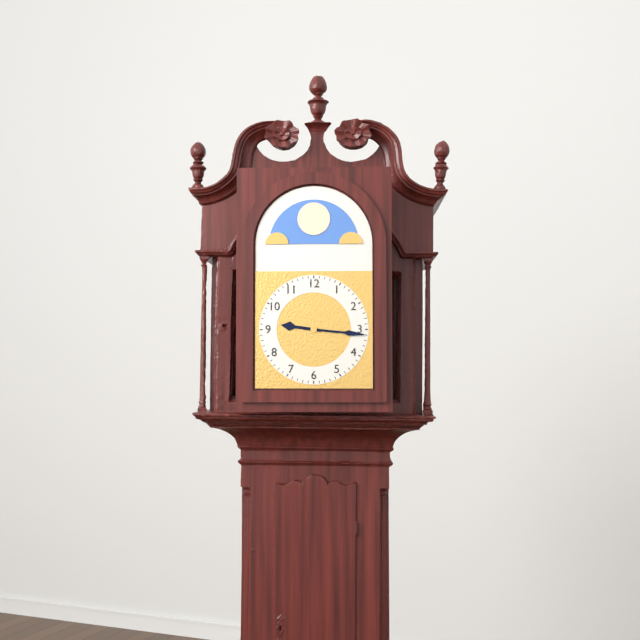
9:16
